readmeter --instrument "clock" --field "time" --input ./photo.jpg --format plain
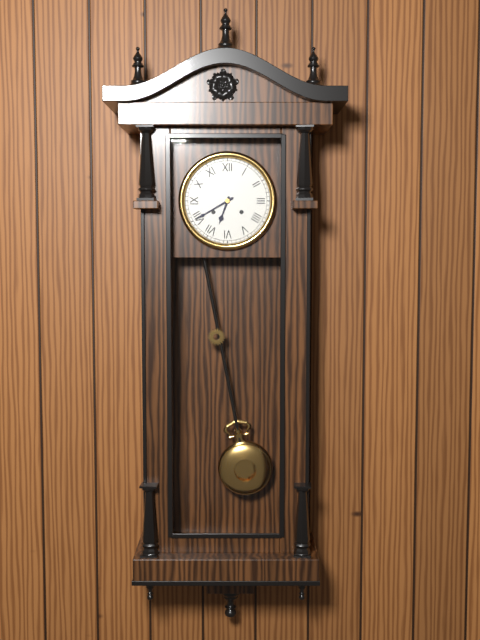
6:40
